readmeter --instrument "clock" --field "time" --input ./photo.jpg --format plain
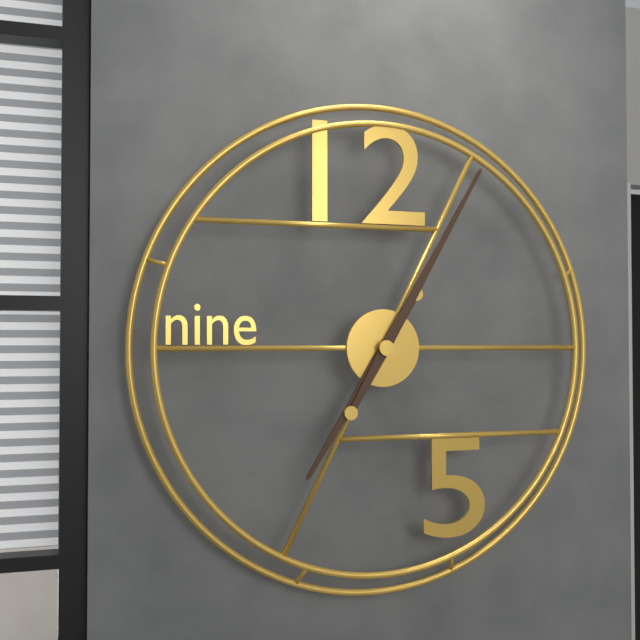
7:05
